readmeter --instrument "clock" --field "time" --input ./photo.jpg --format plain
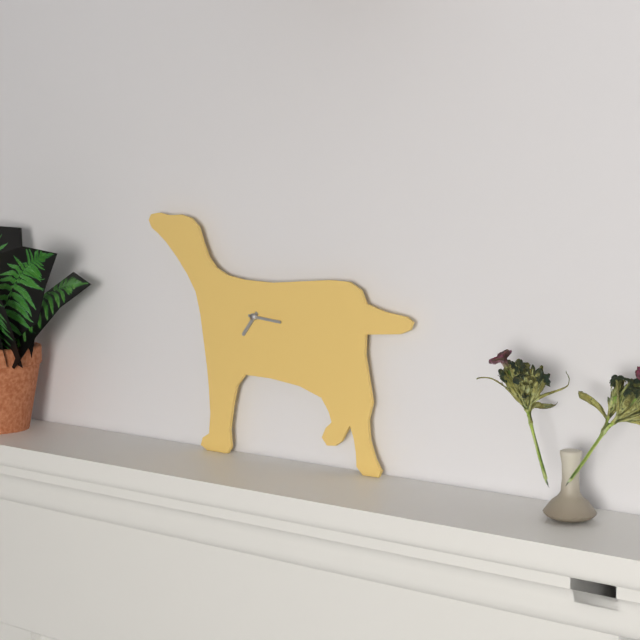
7:16
